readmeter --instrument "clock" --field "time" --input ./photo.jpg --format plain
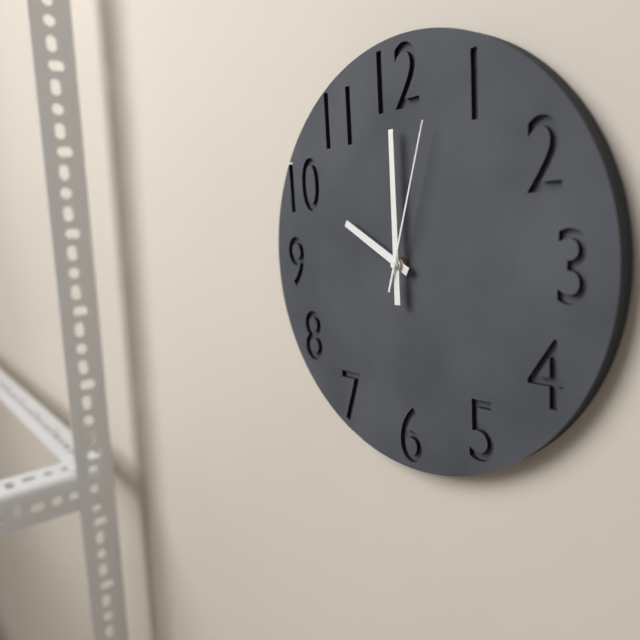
10:00:03
